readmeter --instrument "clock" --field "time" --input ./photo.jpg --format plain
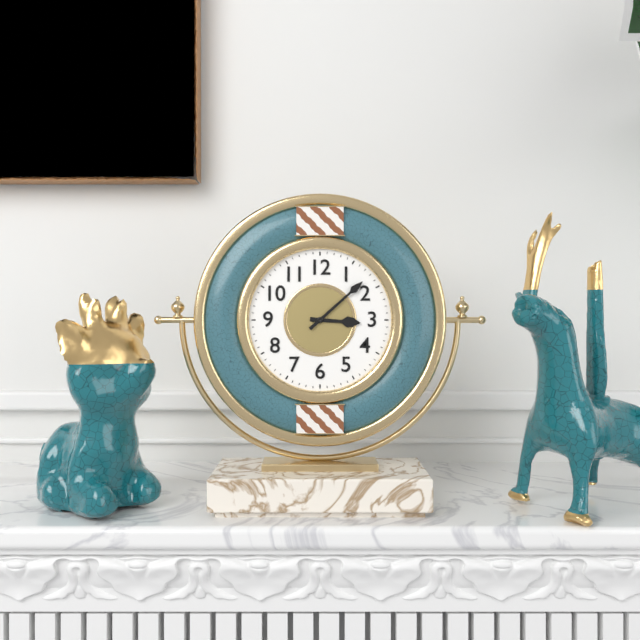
3:08
